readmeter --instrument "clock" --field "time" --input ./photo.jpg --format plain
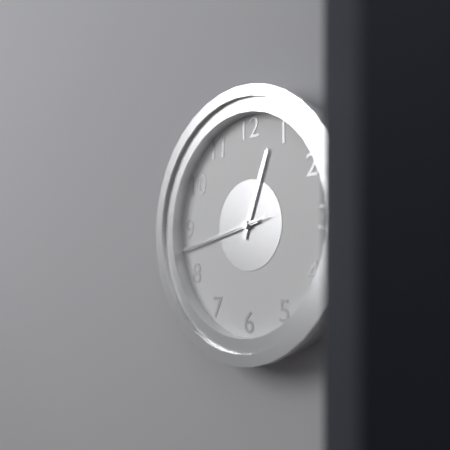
12:43:43
